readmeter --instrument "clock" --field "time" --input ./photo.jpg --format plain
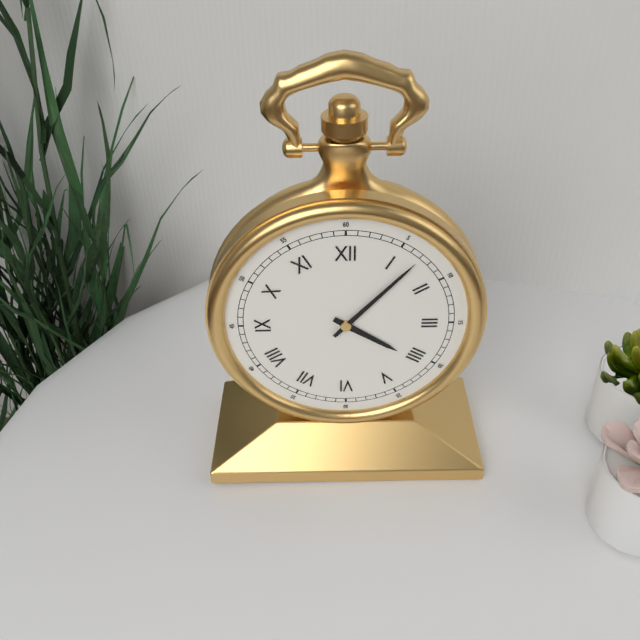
4:07
